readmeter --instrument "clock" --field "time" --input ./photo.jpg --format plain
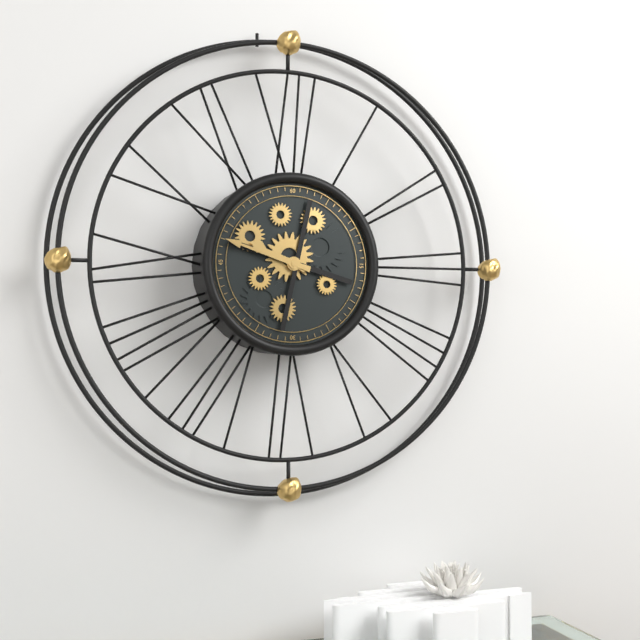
9:48
